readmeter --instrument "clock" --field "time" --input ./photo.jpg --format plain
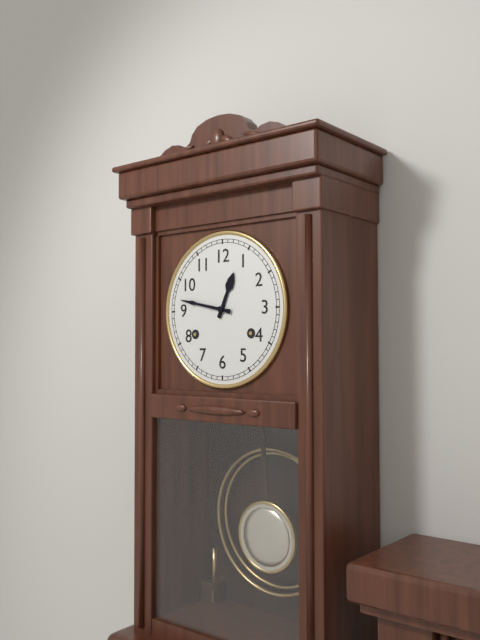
12:47
